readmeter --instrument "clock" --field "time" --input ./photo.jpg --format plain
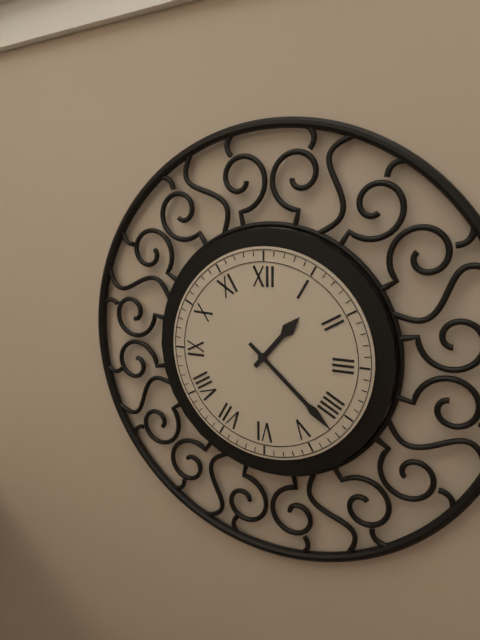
1:22
